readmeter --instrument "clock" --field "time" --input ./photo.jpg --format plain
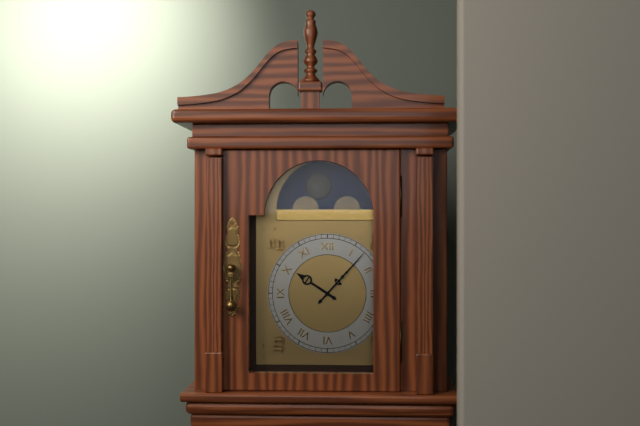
10:07
